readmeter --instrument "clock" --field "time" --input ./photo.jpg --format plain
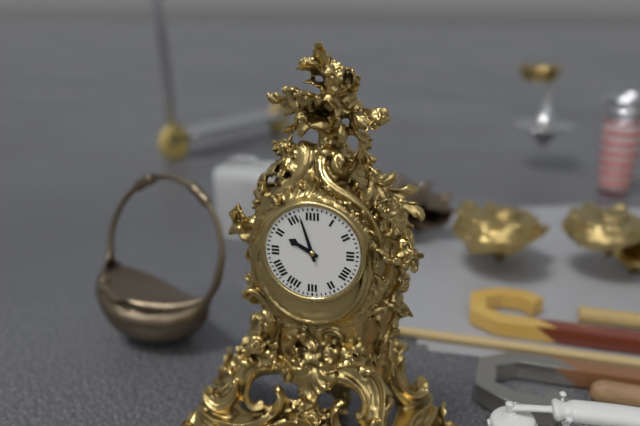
9:57
